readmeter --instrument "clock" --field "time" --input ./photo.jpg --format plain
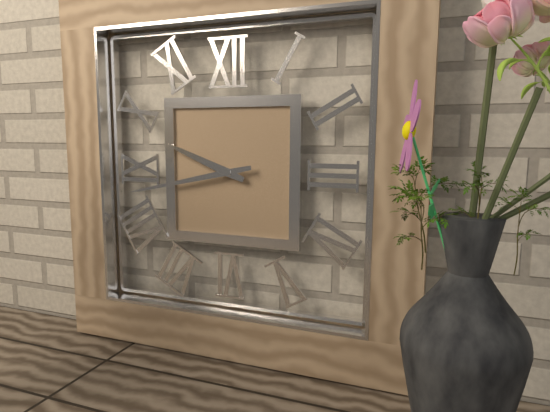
9:43
